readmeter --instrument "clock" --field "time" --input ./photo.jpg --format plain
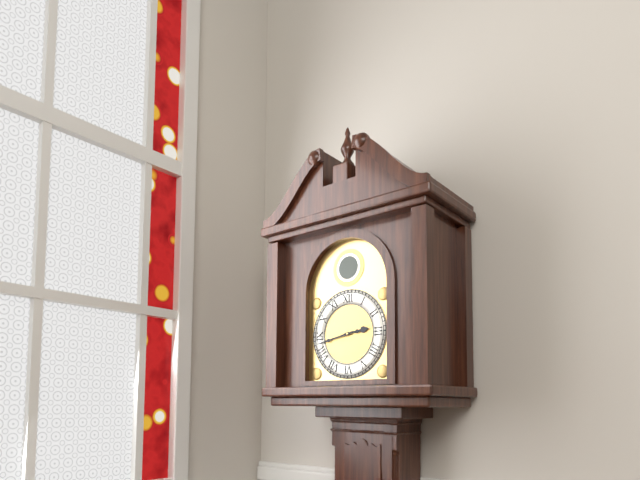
2:43
